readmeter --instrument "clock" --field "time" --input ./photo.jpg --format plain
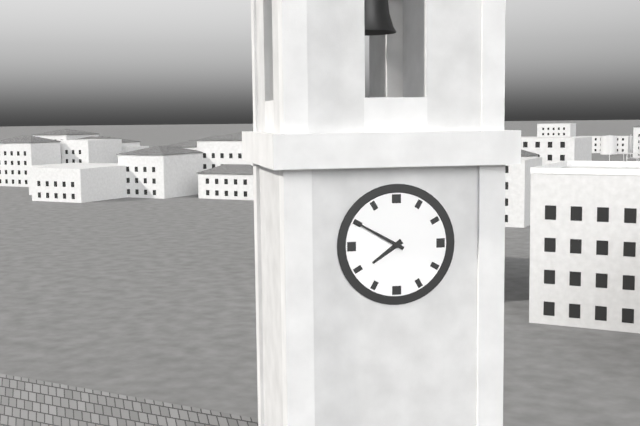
7:50
